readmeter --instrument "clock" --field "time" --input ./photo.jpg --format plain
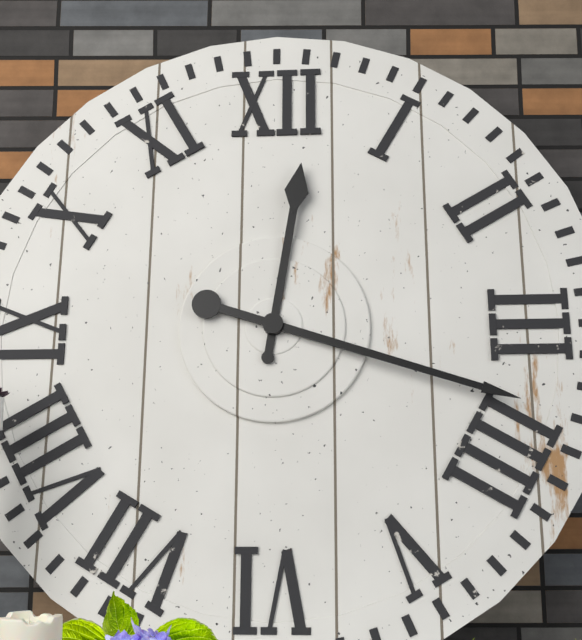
12:18
